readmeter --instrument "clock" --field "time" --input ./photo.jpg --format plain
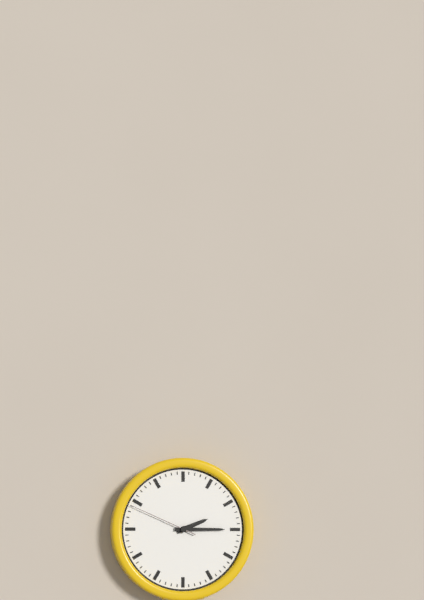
2:15:49
